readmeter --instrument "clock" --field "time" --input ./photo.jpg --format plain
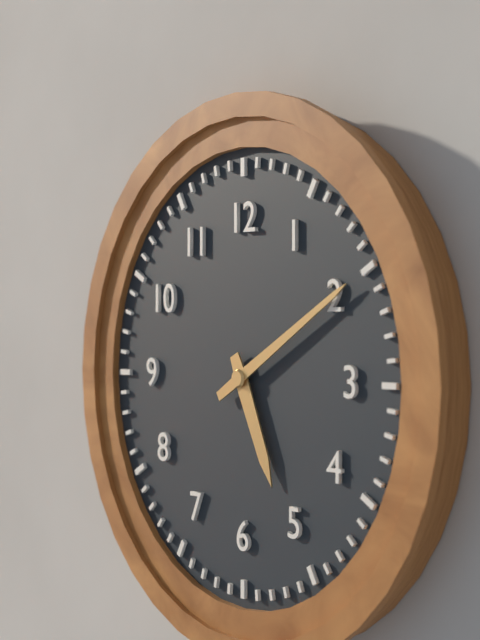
5:10
